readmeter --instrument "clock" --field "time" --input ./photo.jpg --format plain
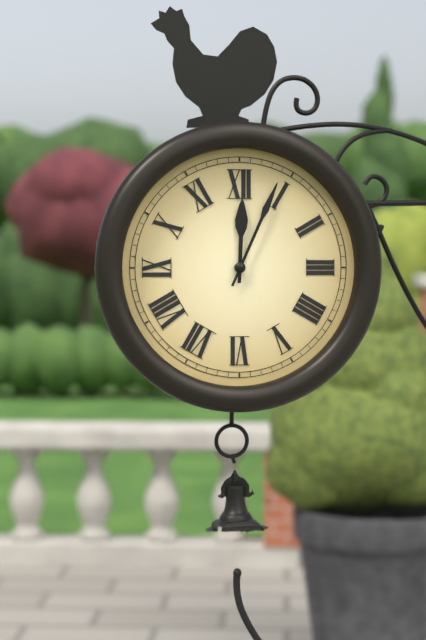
12:04
